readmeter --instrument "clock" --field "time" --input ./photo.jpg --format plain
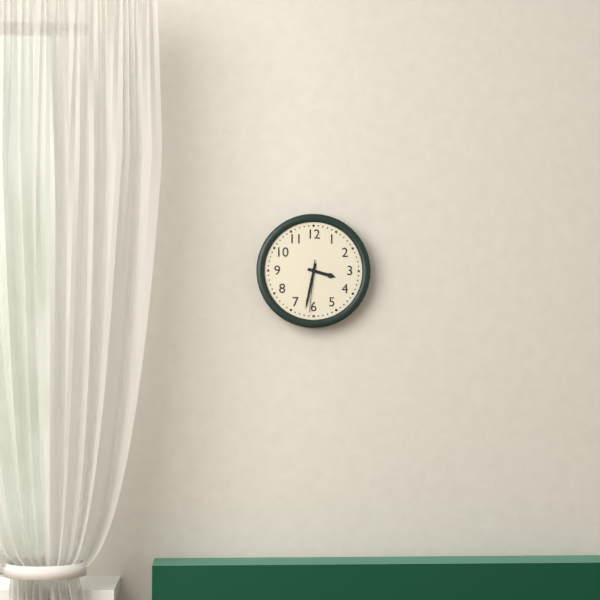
3:32:31
